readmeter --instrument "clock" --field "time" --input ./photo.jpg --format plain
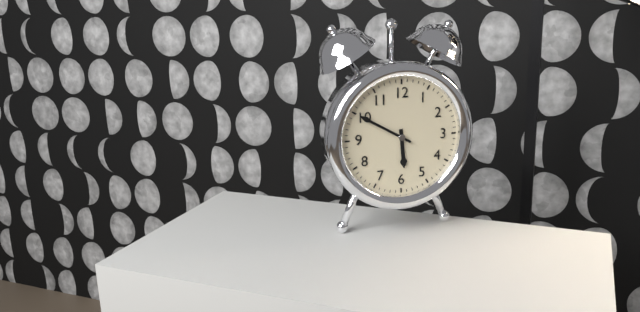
5:50
